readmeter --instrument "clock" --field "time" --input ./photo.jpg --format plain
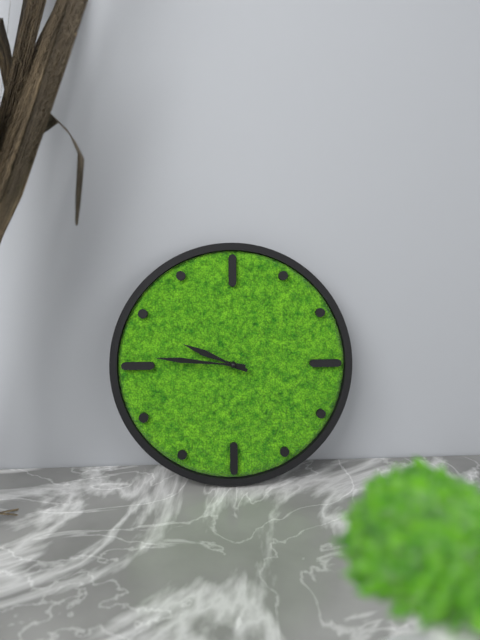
9:46
